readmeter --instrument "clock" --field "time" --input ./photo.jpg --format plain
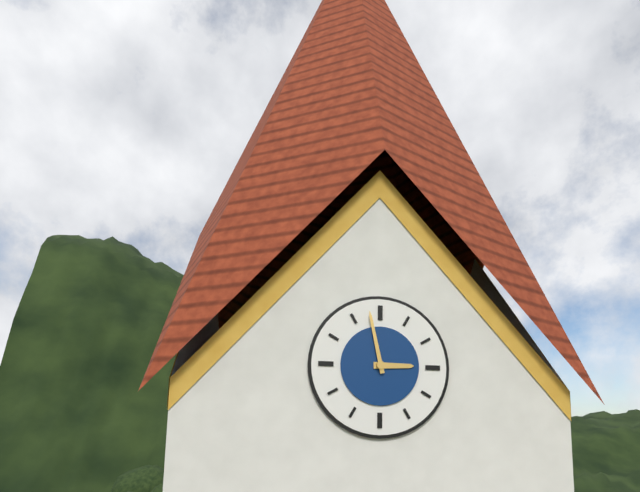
2:58
